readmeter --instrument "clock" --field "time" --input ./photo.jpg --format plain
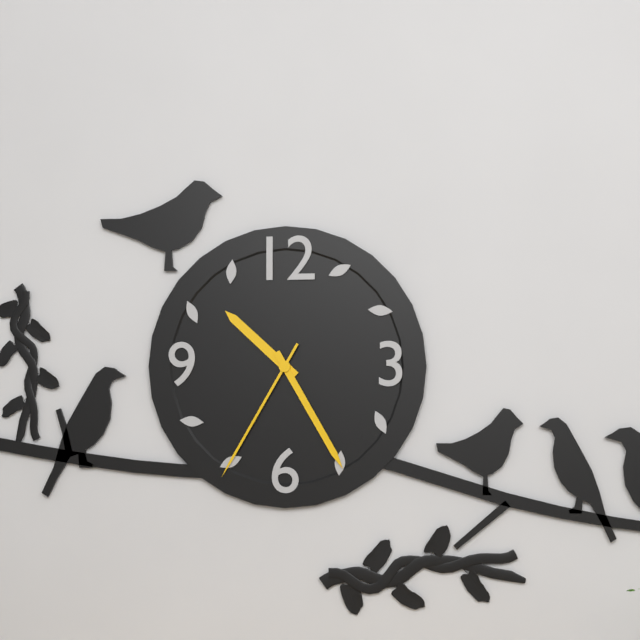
10:25:35
